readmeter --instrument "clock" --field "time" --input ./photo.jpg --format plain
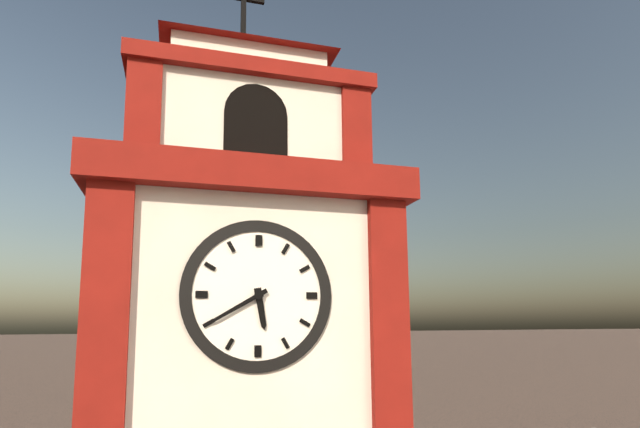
5:40
